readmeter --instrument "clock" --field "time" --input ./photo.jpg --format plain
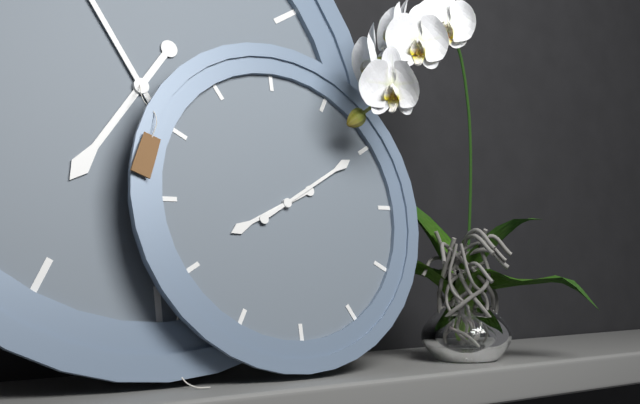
8:10
